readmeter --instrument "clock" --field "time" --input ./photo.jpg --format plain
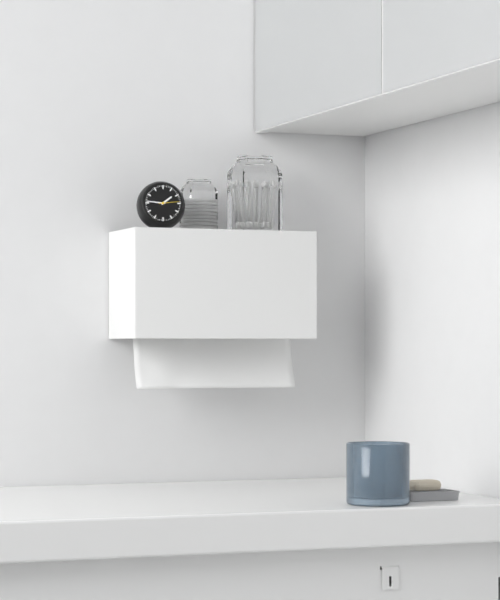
1:46
